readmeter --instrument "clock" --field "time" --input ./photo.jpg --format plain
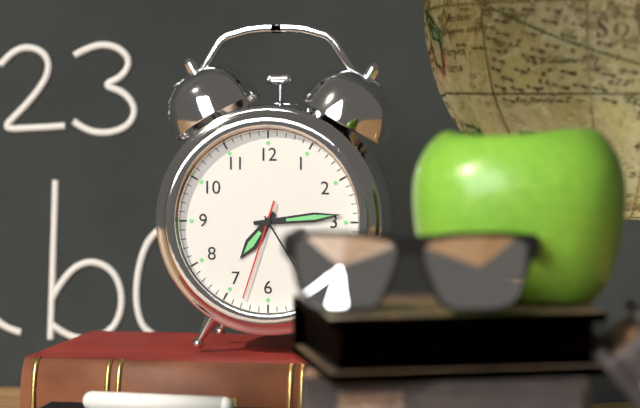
7:14:33
